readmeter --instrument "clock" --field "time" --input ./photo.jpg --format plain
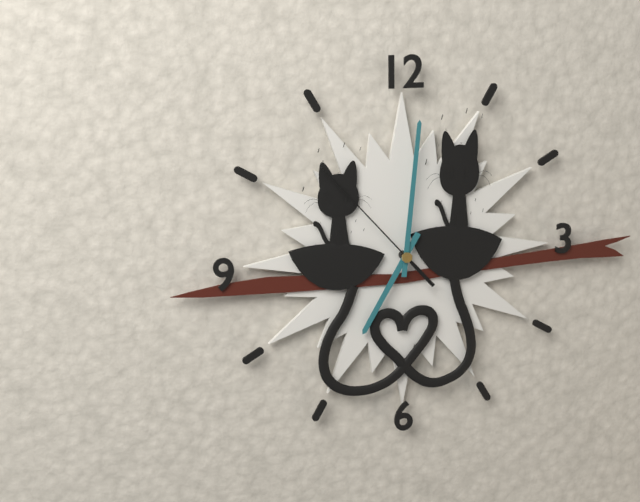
7:01:53
